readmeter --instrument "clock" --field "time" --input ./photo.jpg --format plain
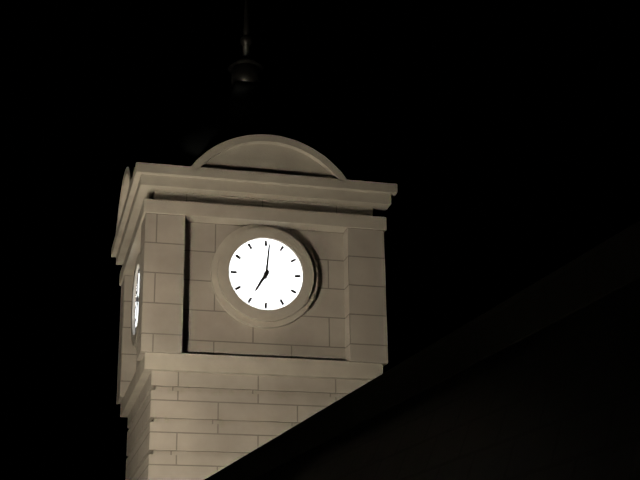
7:01
